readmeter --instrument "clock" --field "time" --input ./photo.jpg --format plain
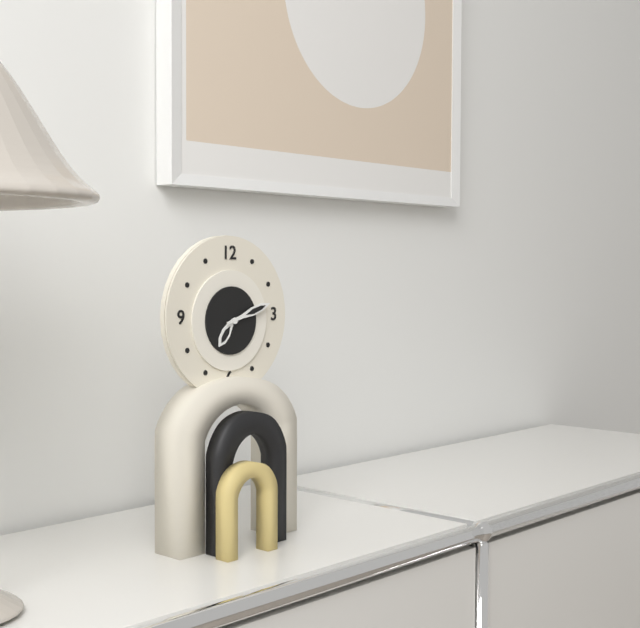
7:12
